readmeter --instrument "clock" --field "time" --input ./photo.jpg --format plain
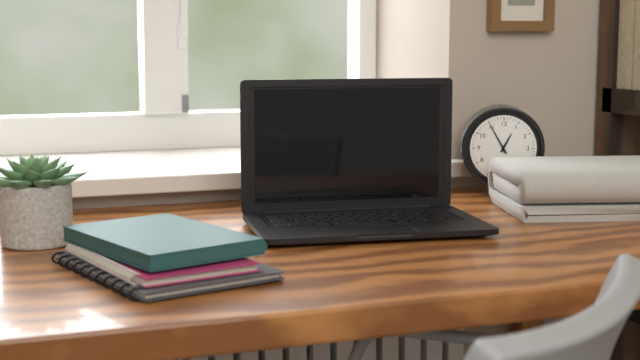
12:55
